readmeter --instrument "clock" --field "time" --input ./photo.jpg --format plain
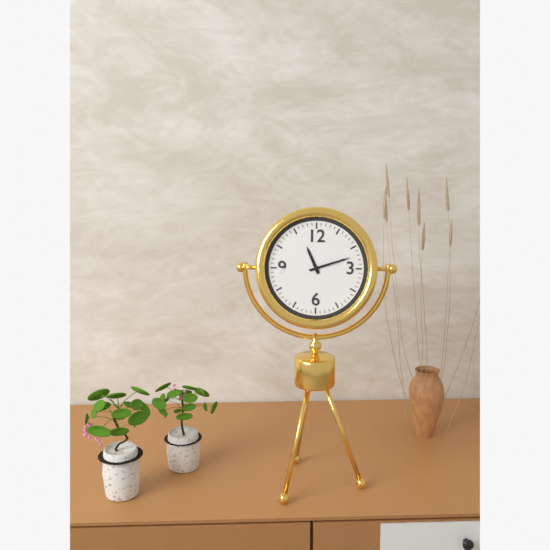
11:12
